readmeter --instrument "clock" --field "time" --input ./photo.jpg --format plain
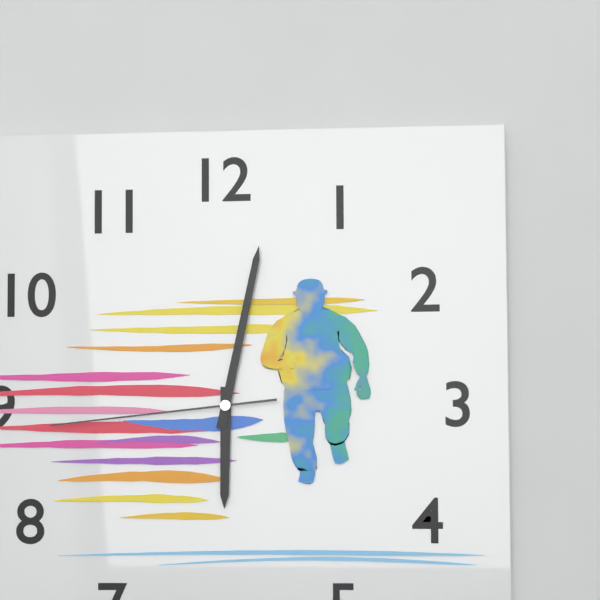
6:02:44
